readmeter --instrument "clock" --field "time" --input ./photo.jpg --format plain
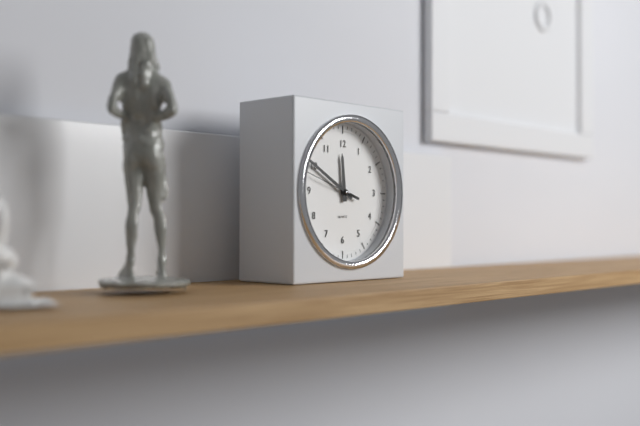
11:50:48
